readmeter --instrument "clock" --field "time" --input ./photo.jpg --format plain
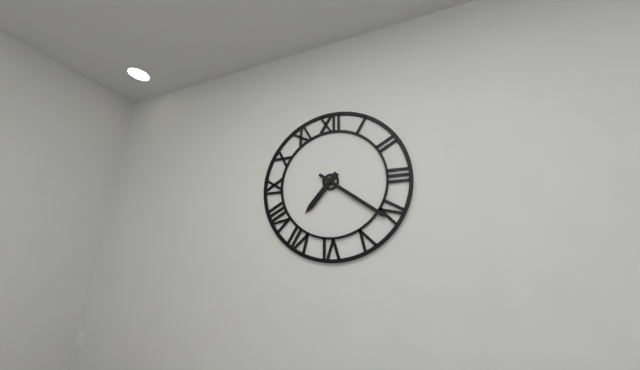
7:21
